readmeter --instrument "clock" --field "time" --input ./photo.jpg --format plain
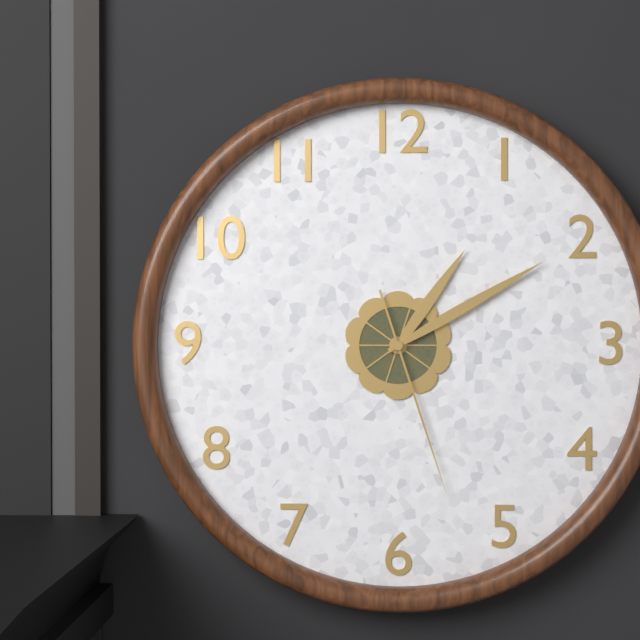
1:10:27
